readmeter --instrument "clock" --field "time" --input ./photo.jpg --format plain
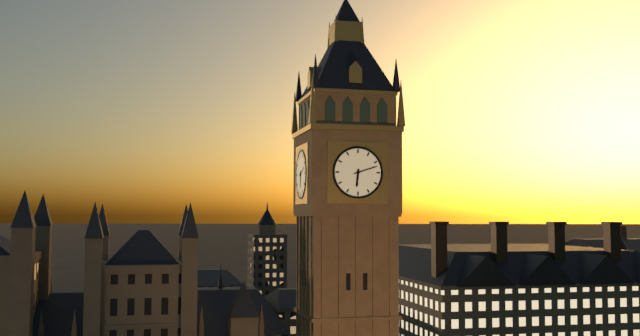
6:12
